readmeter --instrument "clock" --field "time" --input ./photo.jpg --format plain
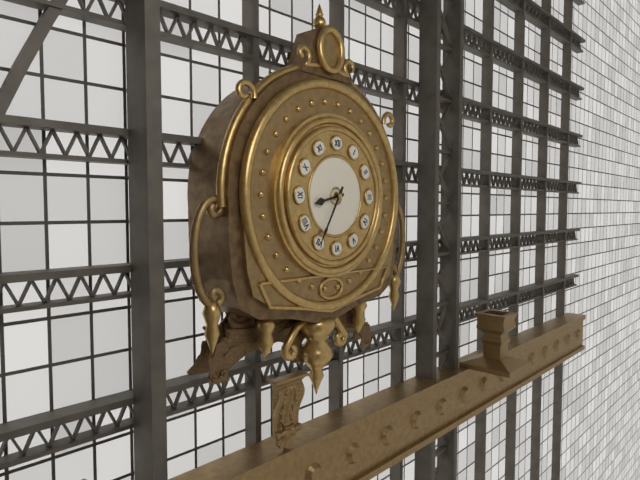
8:35
